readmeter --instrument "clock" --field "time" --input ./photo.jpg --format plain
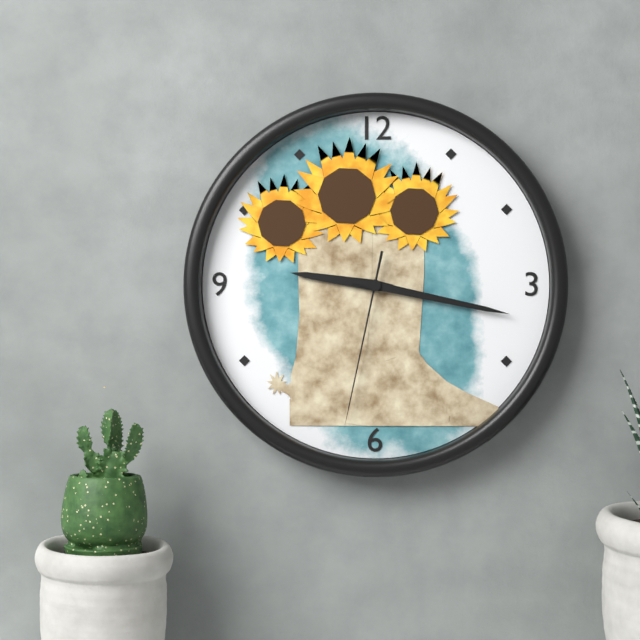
9:17:32
